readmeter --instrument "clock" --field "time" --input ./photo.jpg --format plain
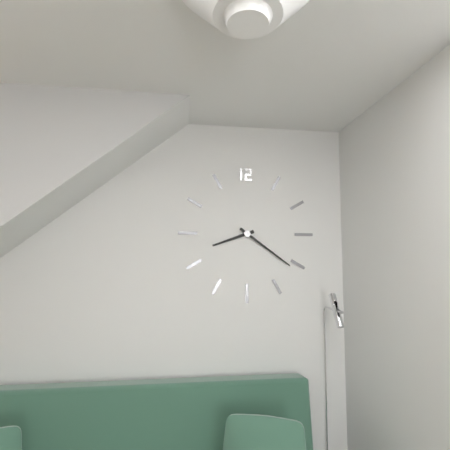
8:21
